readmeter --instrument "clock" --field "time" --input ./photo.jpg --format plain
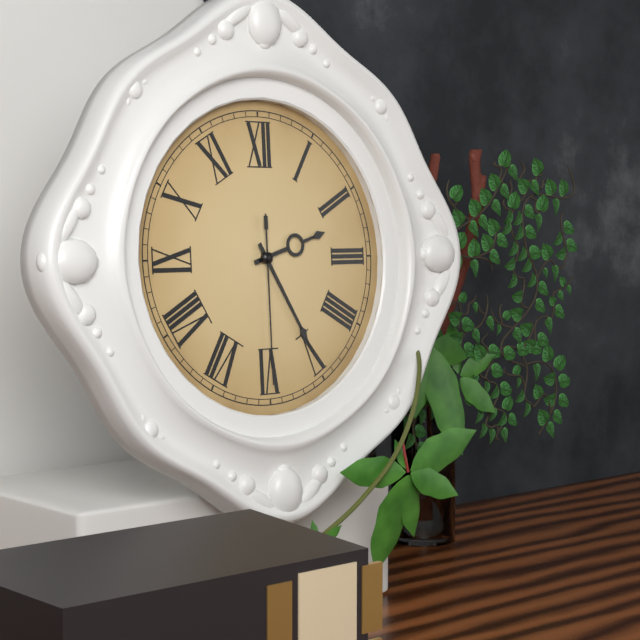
2:25:30
